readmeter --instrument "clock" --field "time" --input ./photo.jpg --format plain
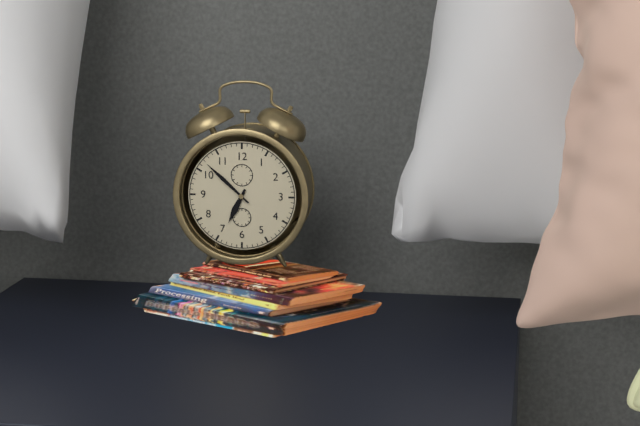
6:52
